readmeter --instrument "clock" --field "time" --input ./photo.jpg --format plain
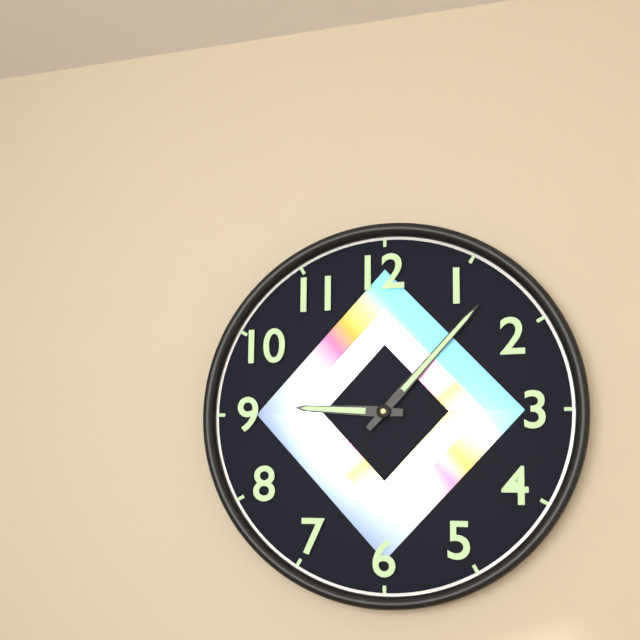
9:07
